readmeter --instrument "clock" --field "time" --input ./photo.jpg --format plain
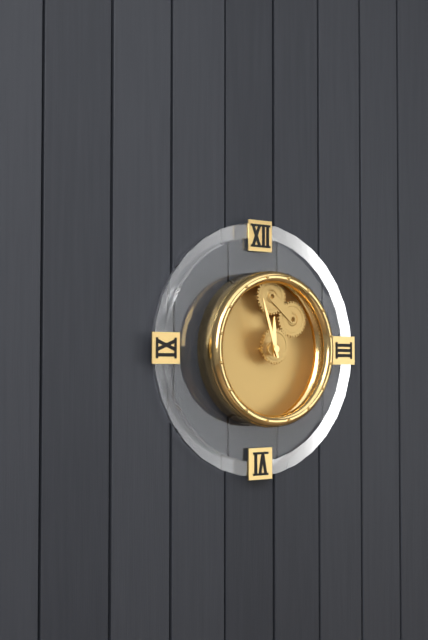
11:57
